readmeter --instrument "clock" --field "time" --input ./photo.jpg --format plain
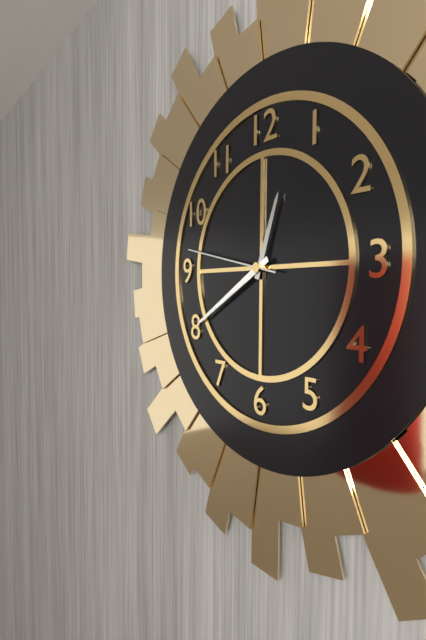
12:40:47
